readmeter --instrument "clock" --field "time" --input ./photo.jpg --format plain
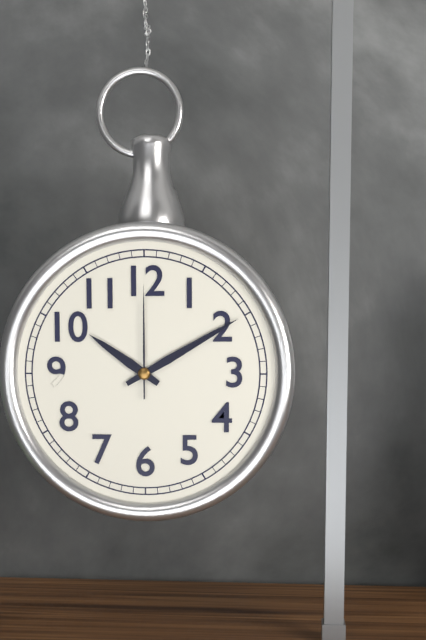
10:10:00
